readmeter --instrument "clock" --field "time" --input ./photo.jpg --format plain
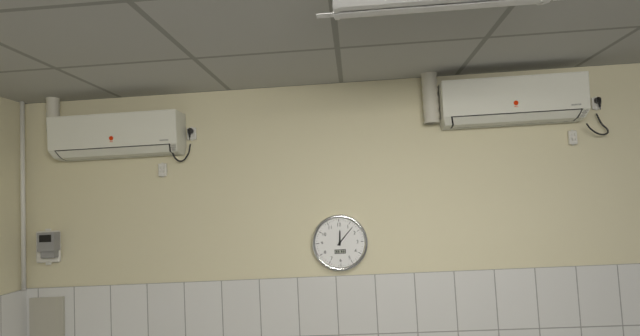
12:07
